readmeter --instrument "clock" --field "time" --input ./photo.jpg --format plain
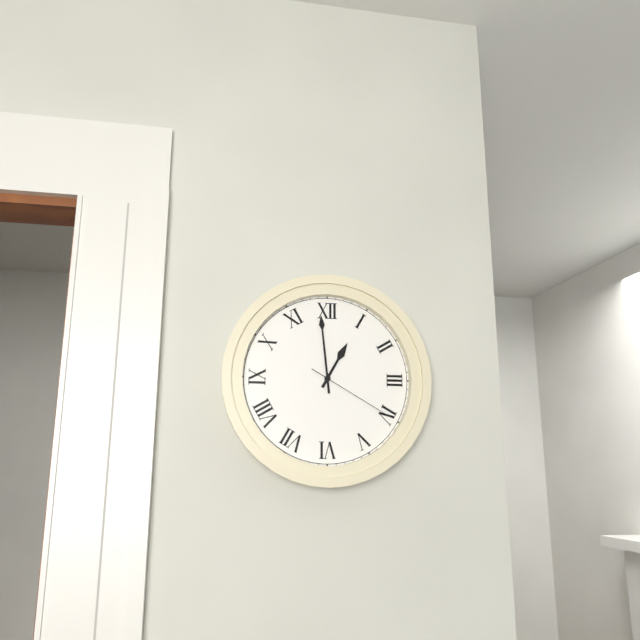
12:59:20
